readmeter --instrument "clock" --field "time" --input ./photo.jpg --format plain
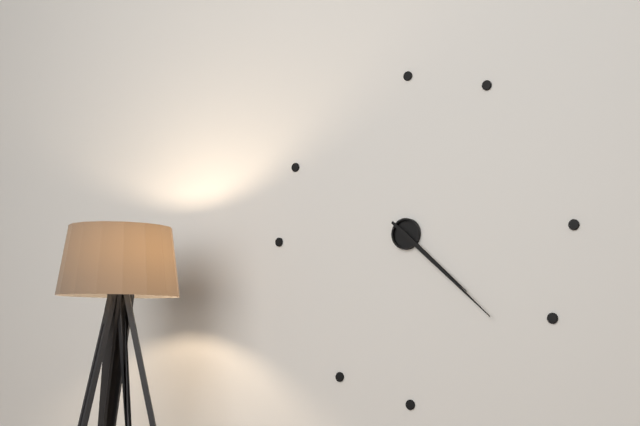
4:22
